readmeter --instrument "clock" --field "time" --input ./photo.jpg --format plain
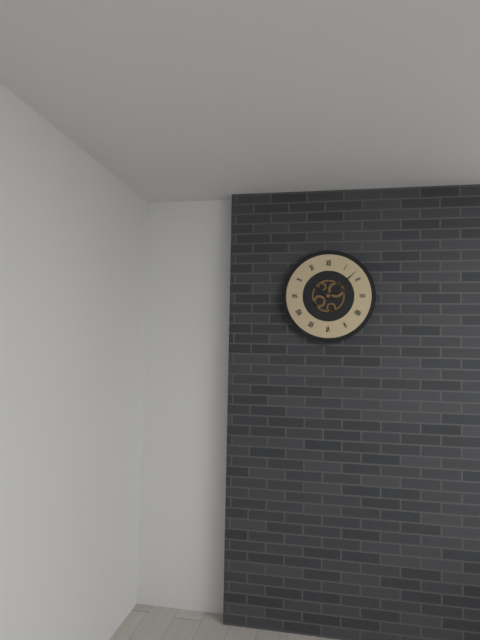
10:08
